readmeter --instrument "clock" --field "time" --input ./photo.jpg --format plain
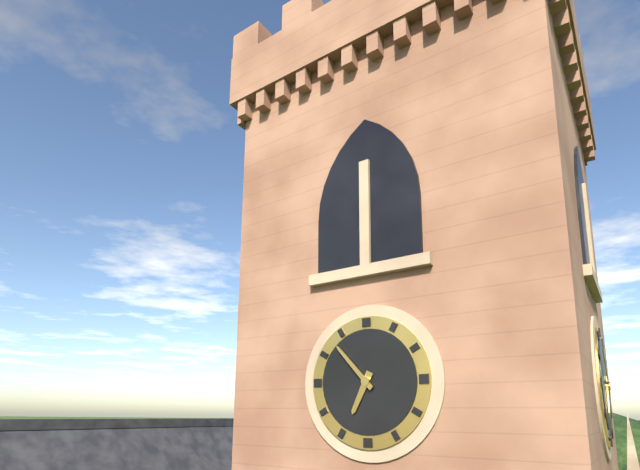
6:53
